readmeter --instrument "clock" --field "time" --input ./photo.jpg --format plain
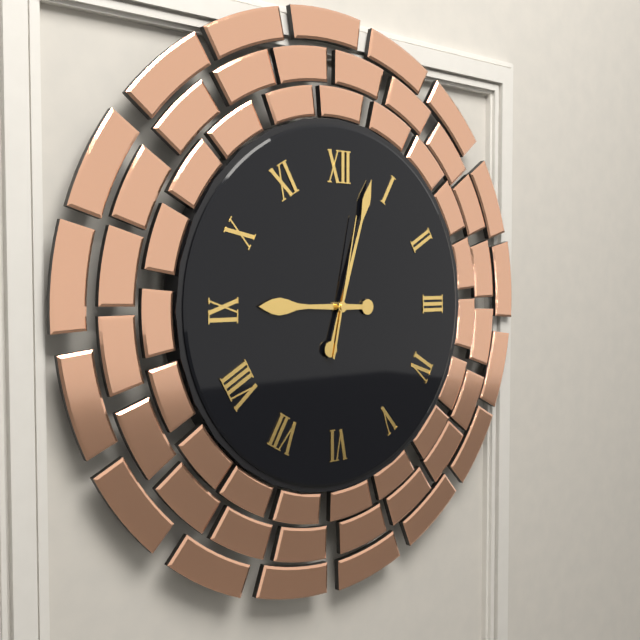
9:03:02
